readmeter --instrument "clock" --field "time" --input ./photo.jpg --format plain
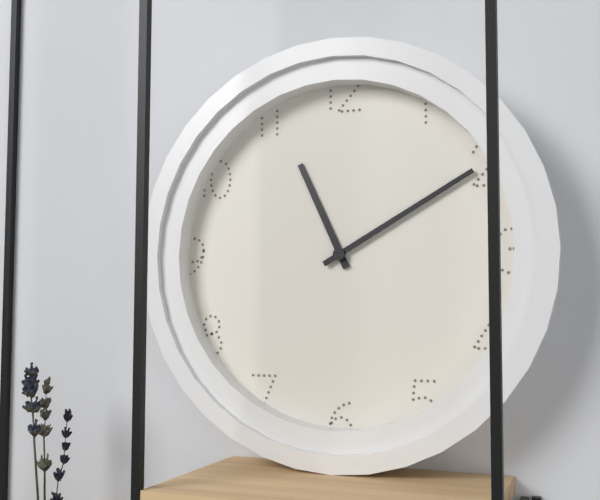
11:10
